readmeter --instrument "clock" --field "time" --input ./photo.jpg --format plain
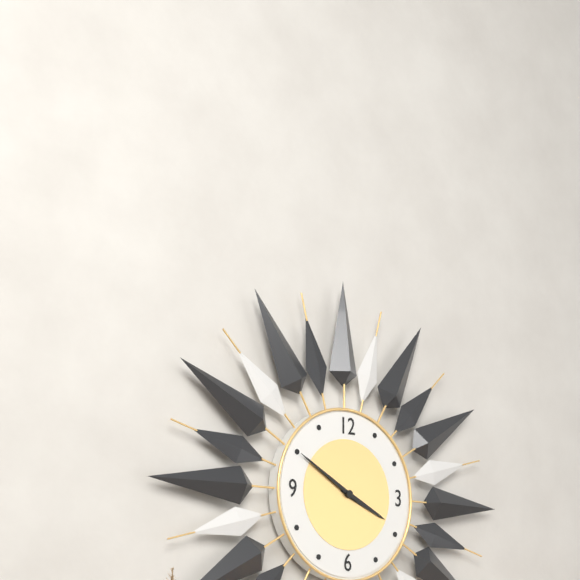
3:50
